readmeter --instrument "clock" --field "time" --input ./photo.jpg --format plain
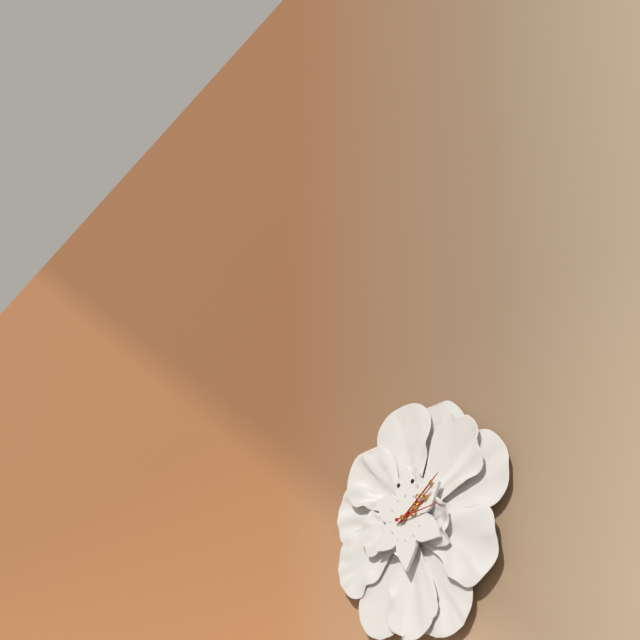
2:09
